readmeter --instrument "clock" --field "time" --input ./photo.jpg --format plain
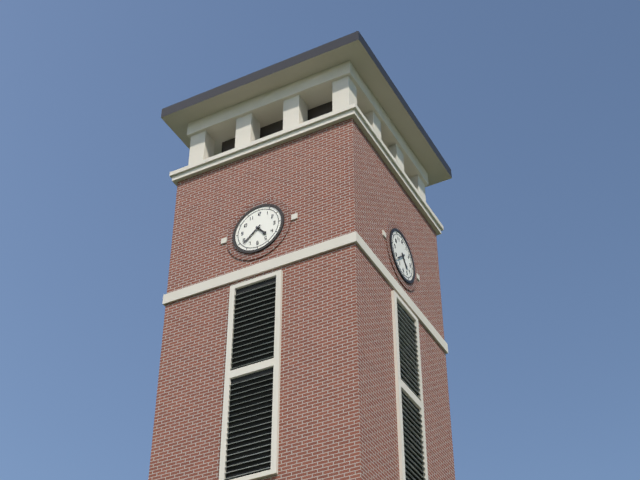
4:38
